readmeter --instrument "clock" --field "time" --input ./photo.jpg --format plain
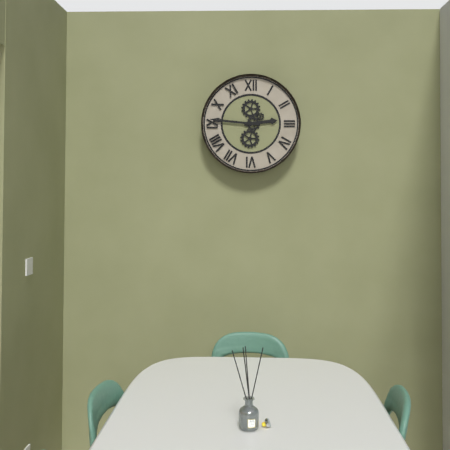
2:46
